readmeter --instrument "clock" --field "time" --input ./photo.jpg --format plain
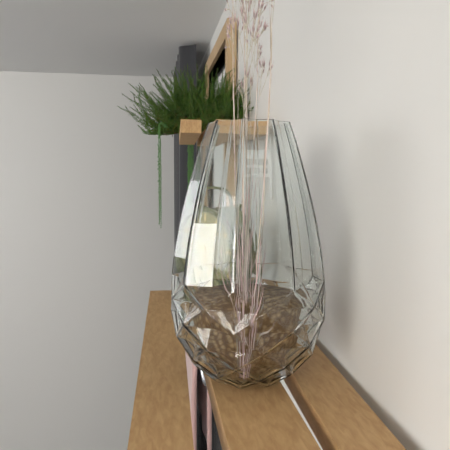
9:29
